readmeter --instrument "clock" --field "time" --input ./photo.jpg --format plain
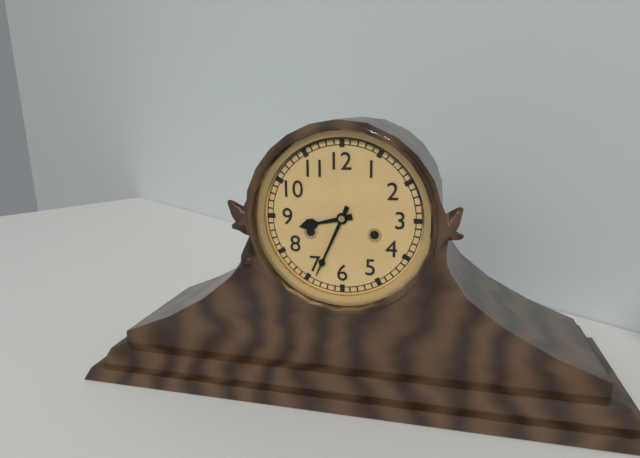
8:34
